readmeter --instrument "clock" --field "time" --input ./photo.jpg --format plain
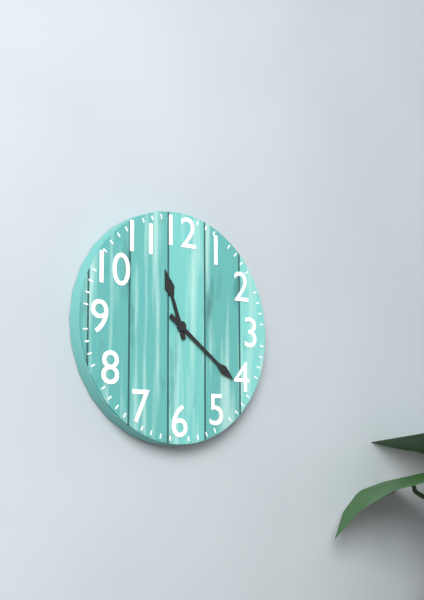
11:21
